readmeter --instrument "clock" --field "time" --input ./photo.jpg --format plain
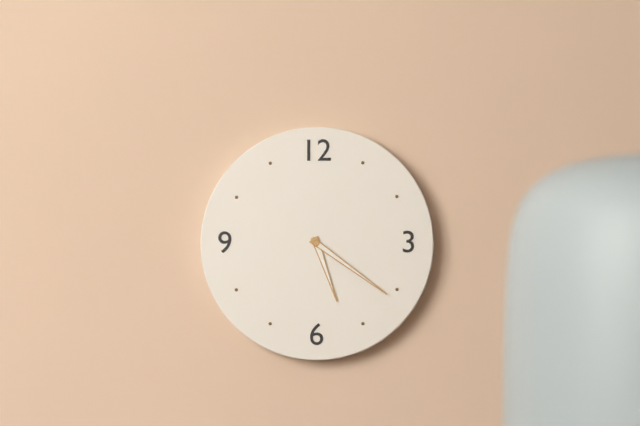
5:21
